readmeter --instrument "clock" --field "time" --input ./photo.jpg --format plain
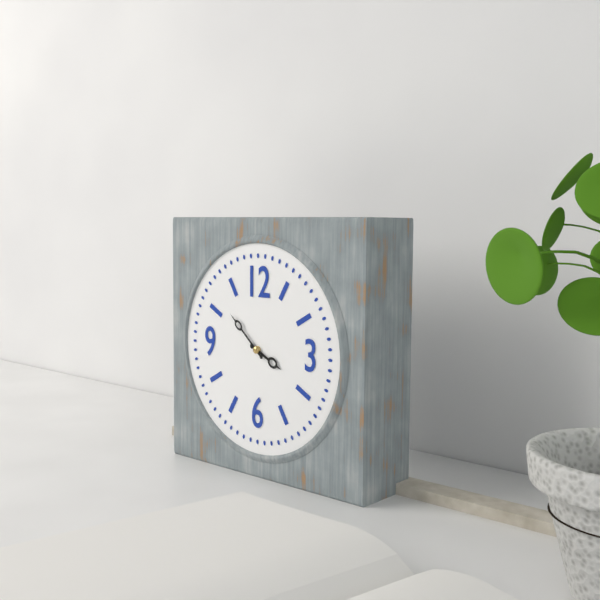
3:52
